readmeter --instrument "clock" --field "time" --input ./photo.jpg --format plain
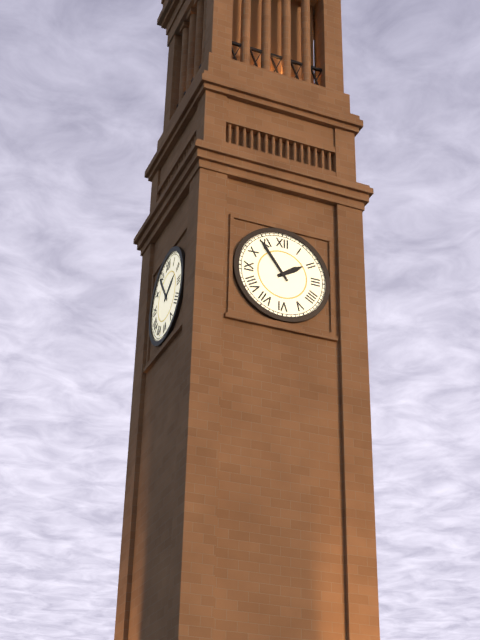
1:54
